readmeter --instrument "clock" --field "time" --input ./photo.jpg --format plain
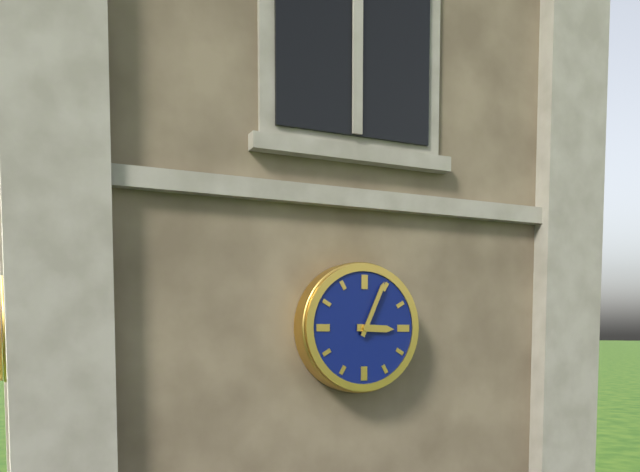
3:04
